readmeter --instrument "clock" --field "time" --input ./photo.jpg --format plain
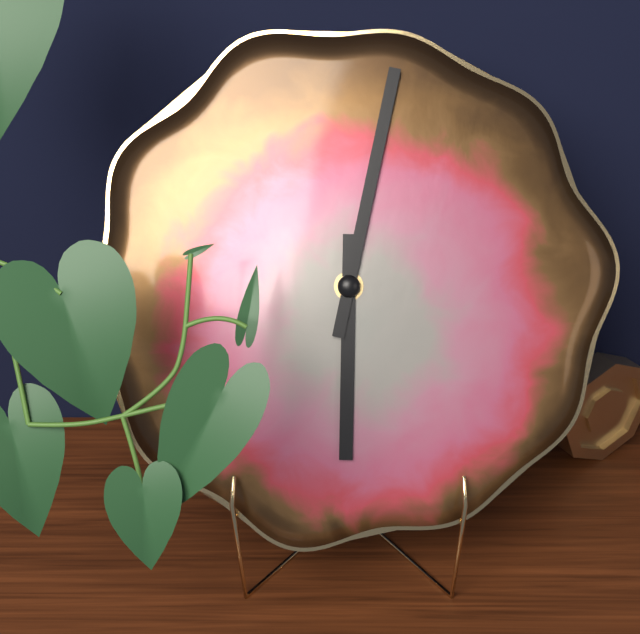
6:02
